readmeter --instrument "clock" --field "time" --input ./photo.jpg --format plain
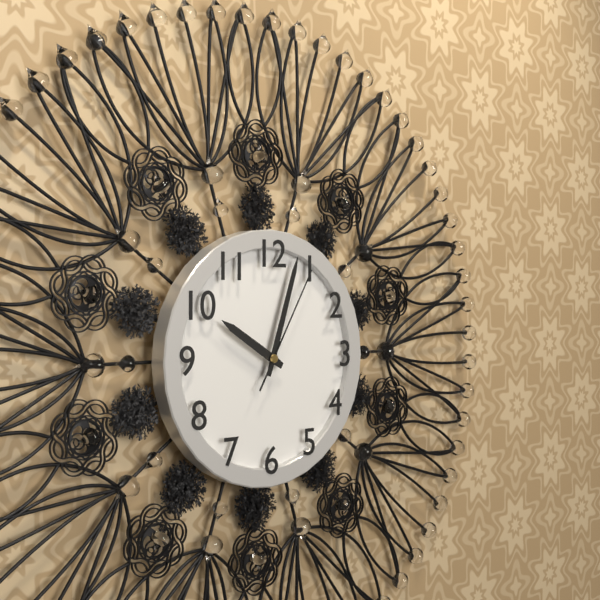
10:03:05
